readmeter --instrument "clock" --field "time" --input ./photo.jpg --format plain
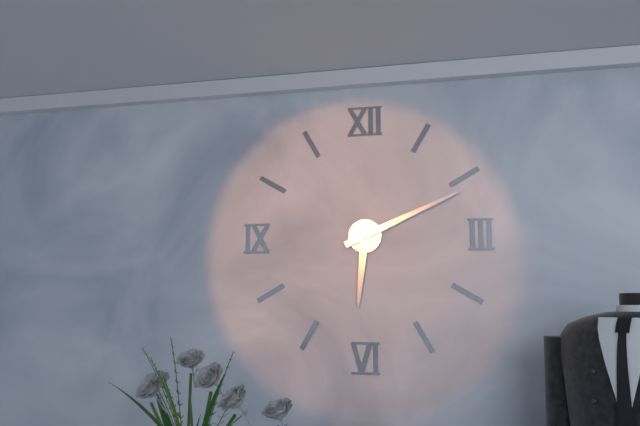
6:11
